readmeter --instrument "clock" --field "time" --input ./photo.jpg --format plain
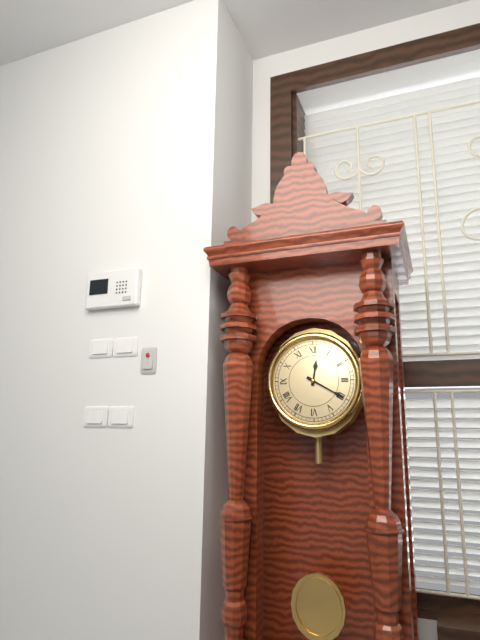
12:20
